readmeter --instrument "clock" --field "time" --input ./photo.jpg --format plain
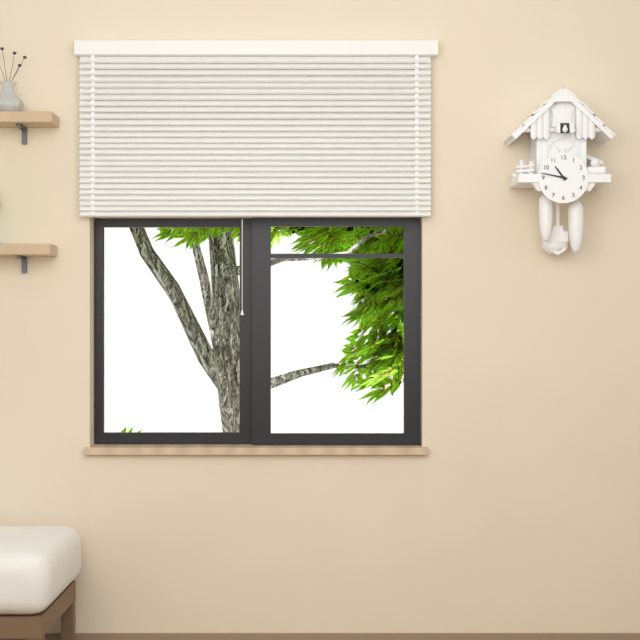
10:47
